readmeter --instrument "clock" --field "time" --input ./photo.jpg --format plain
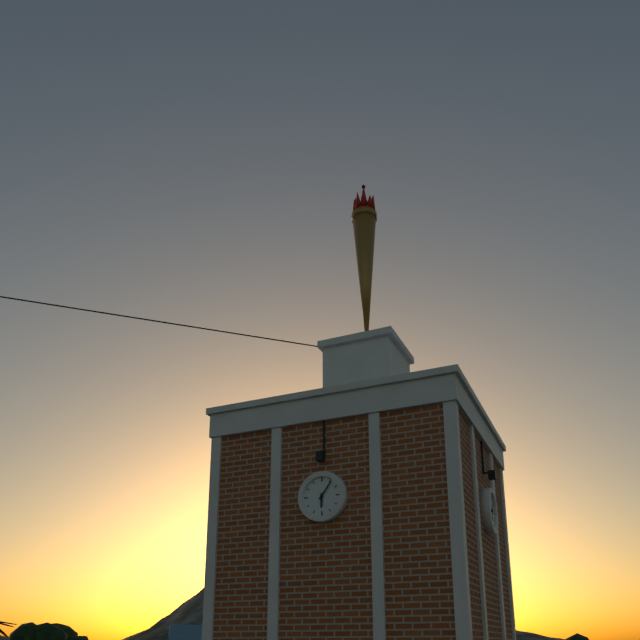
6:06
